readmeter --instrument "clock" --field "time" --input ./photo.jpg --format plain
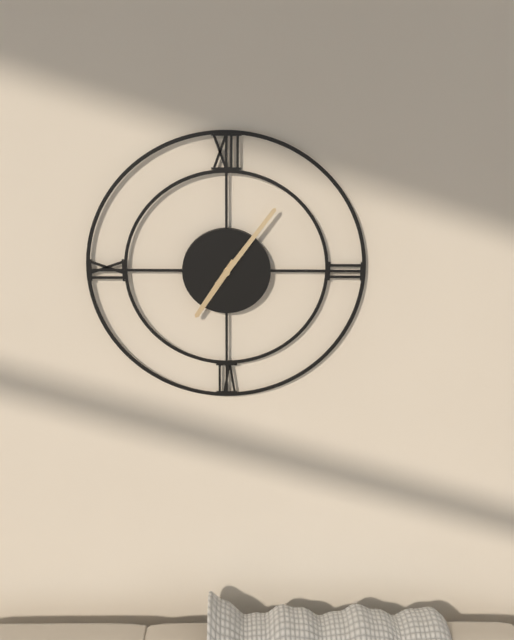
7:06
